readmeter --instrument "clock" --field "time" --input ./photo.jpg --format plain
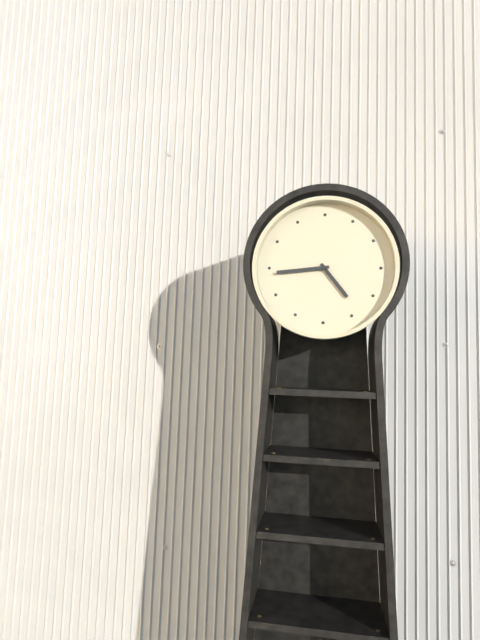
4:44
